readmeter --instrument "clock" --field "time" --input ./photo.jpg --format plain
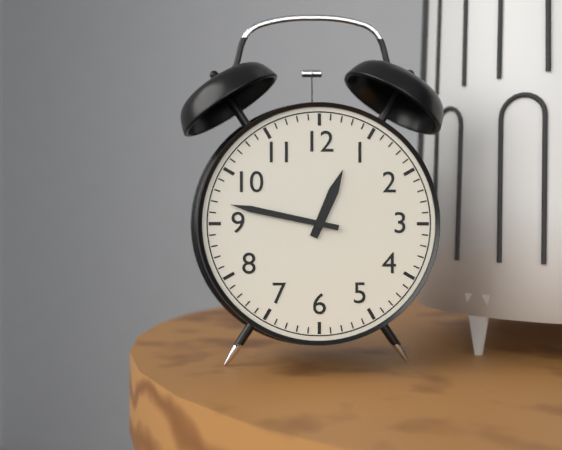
12:47
